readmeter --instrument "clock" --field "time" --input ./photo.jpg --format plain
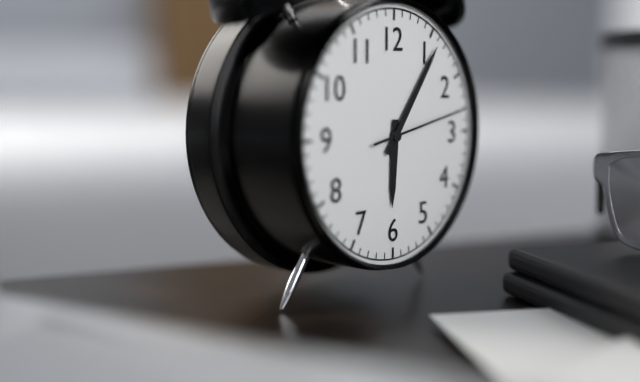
6:06:13
